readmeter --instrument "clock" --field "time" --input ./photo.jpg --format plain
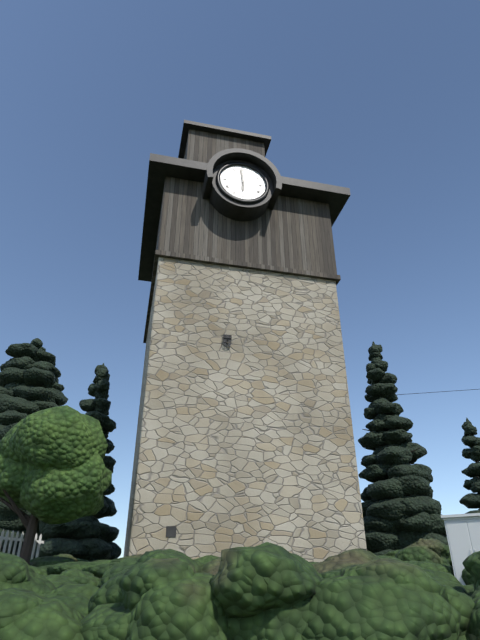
5:59
